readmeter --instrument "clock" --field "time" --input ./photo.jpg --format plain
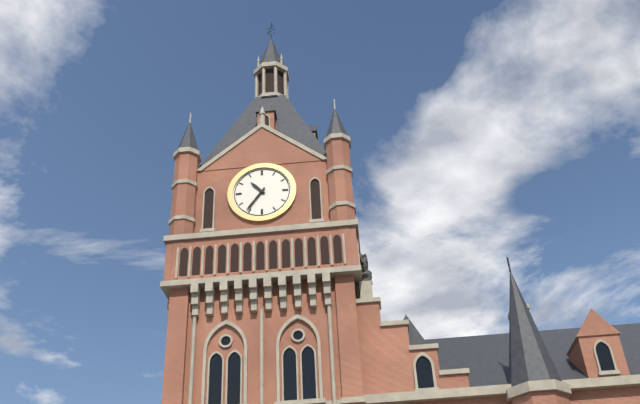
10:36
